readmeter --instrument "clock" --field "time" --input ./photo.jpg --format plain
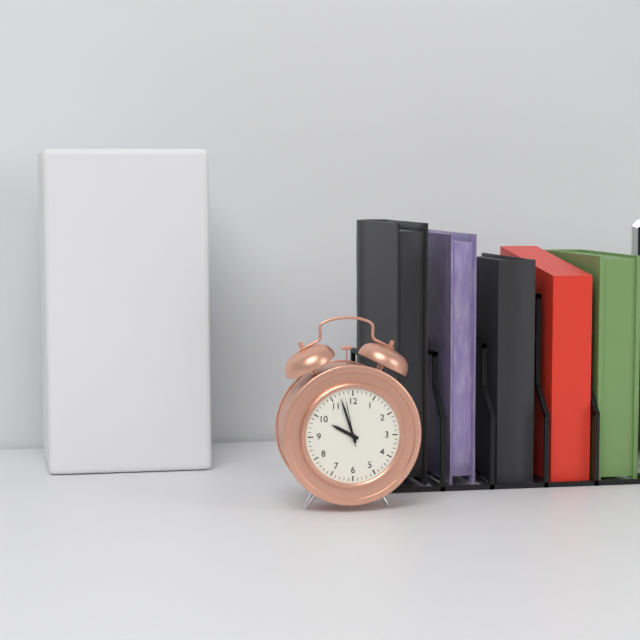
9:57:58
